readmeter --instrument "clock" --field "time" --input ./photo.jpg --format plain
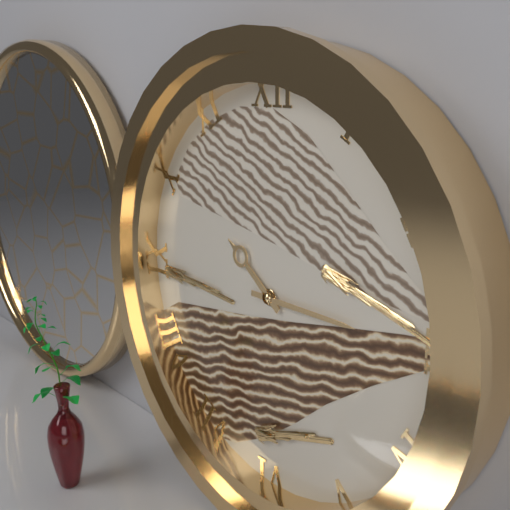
10:15
